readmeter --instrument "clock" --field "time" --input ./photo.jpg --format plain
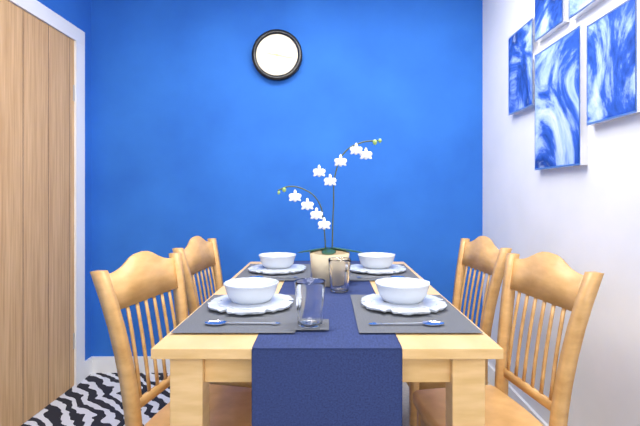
9:17
